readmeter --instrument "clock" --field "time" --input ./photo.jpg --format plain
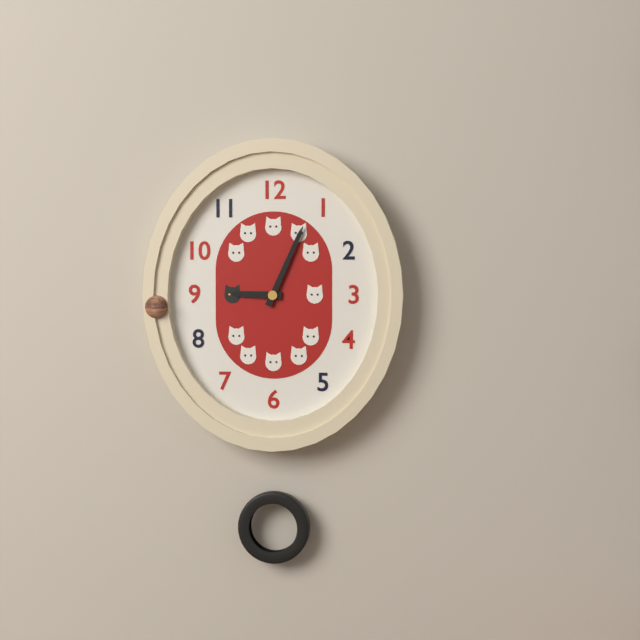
9:04
